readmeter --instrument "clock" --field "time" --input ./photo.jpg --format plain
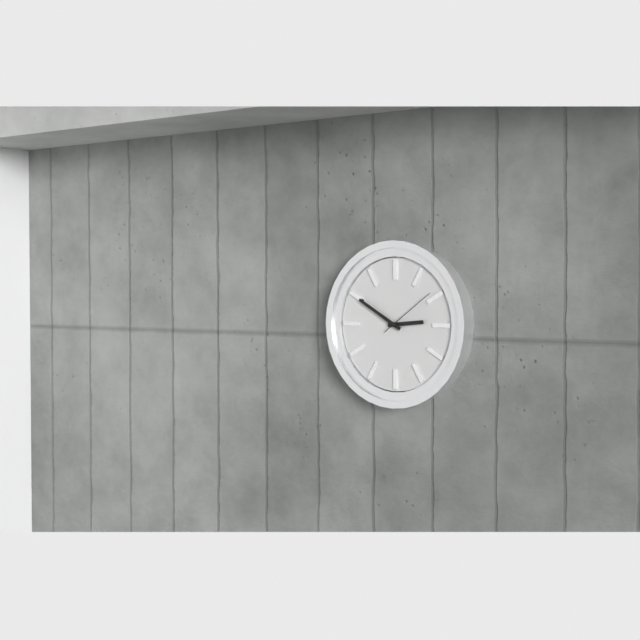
2:50:09
